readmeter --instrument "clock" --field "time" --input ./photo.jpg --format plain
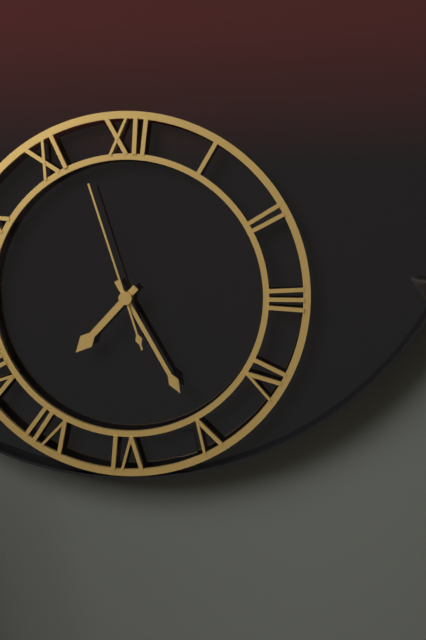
7:25:57
